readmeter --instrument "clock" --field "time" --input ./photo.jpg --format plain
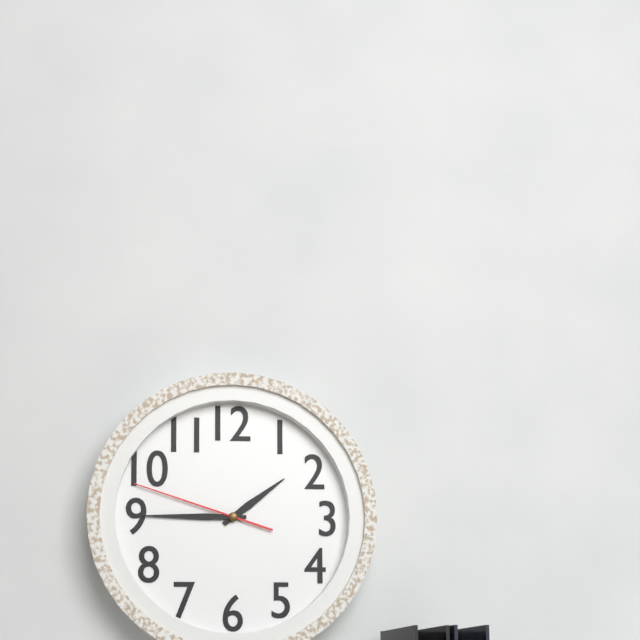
1:45:48
